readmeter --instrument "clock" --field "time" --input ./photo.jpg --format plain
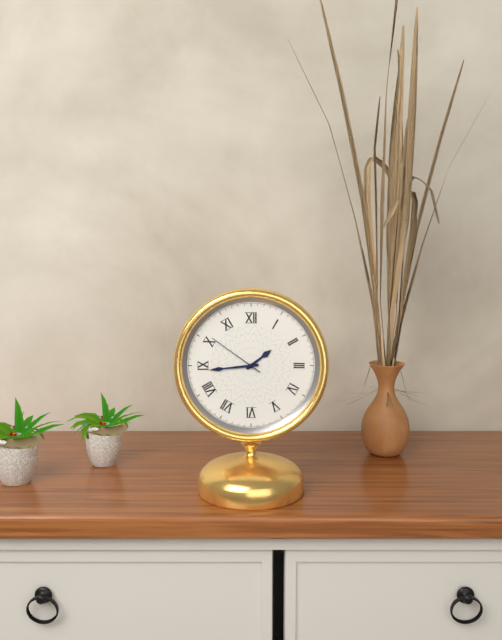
1:44:51
